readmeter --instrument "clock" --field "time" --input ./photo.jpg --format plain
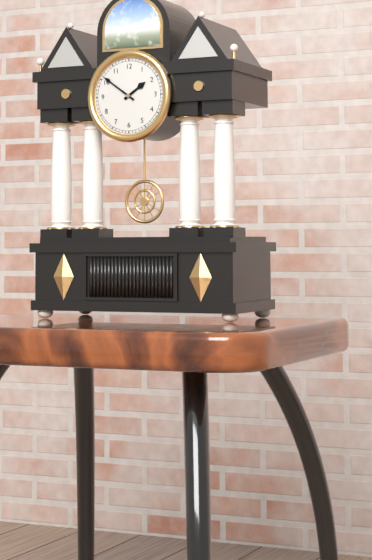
1:51
